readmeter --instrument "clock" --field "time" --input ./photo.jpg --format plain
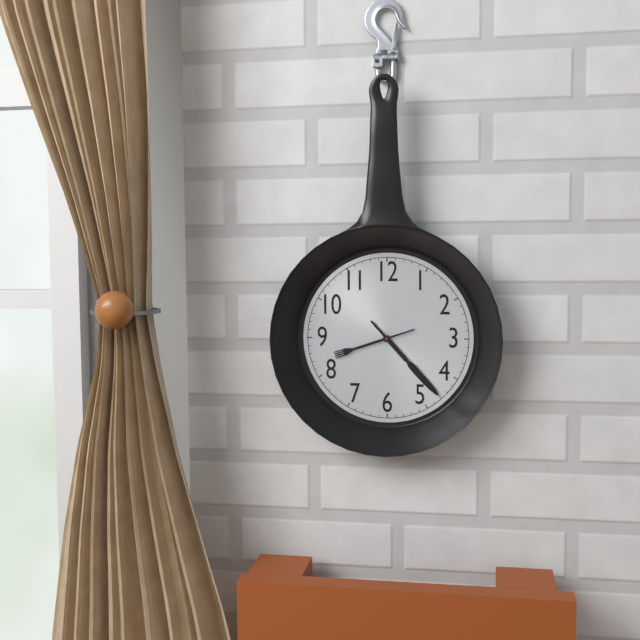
8:23
